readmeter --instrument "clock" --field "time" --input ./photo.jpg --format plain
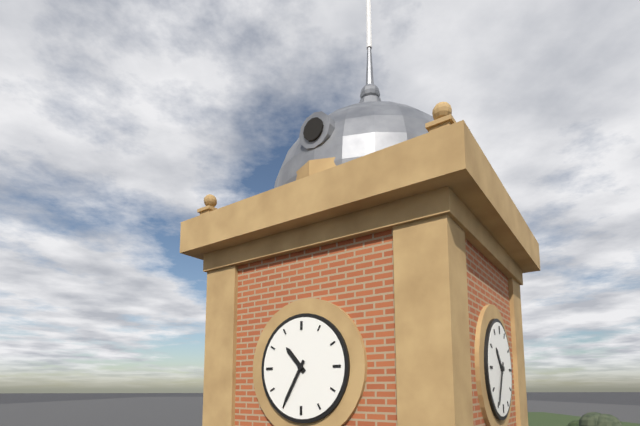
10:35
